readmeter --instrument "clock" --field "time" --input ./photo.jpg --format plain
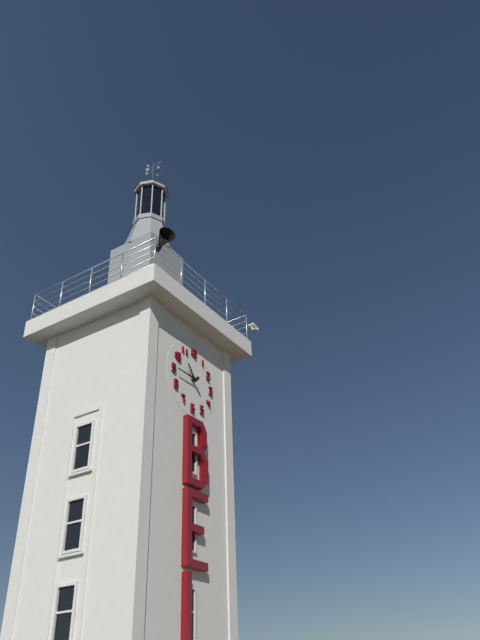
10:45
